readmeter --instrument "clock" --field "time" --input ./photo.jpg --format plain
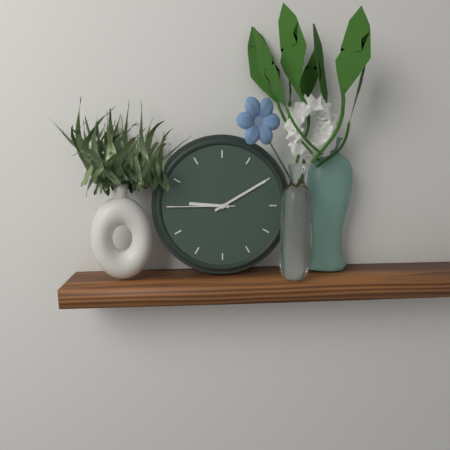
9:10:45
